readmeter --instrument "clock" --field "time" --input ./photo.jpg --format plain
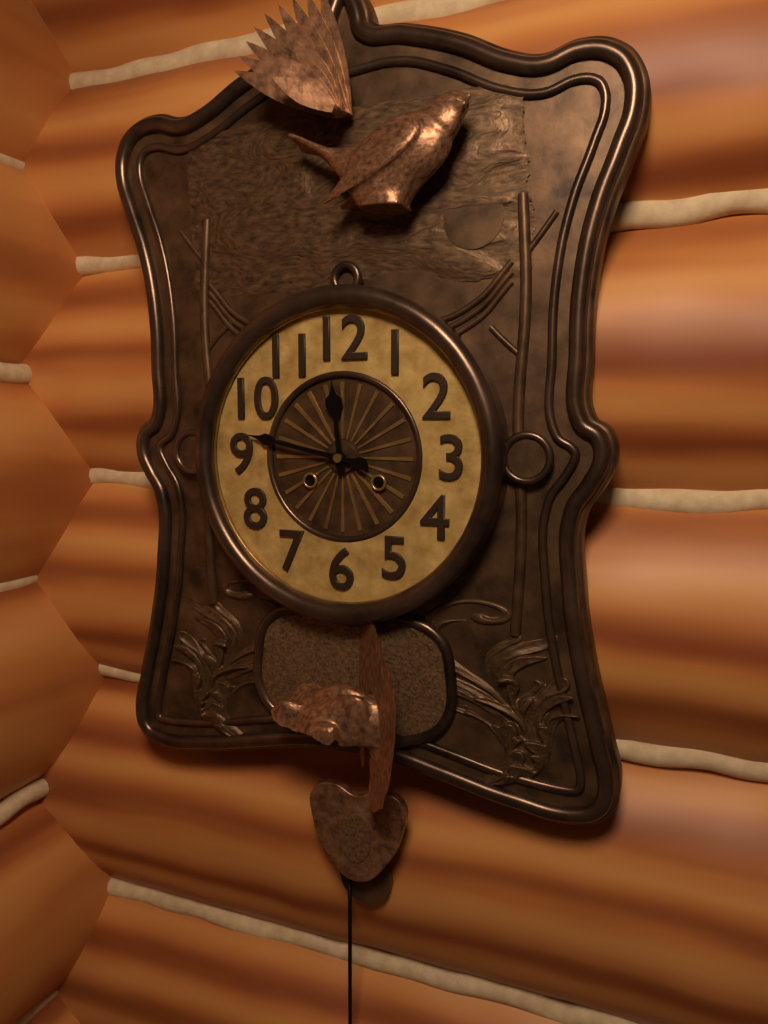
11:47
